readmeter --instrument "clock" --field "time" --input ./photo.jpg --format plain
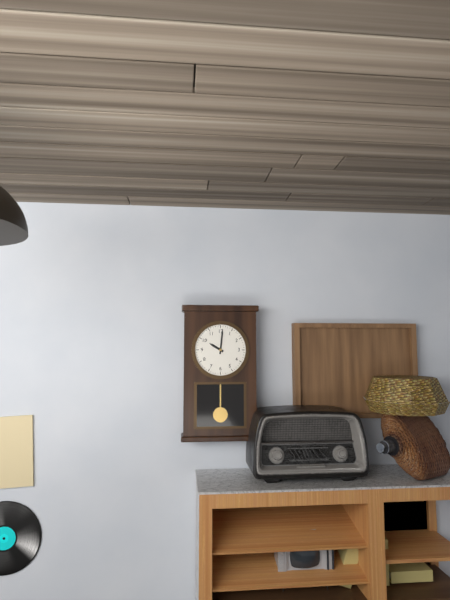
10:01
